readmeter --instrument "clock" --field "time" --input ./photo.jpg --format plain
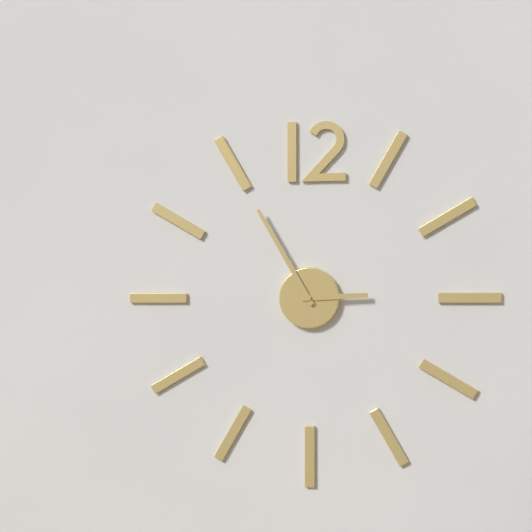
2:55
